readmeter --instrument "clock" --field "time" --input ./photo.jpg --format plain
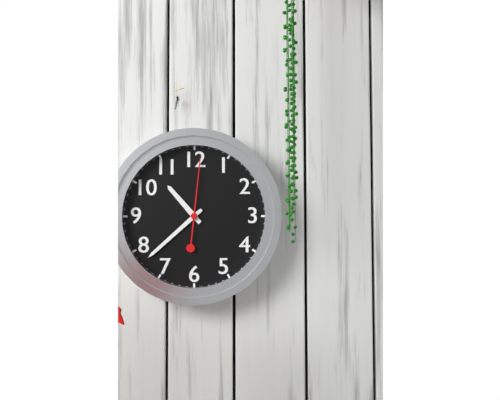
10:38:01
